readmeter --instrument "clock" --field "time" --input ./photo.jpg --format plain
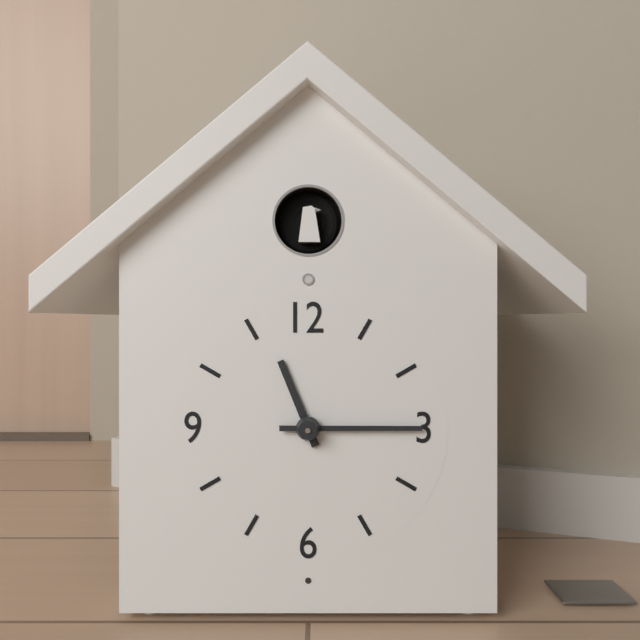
11:15
